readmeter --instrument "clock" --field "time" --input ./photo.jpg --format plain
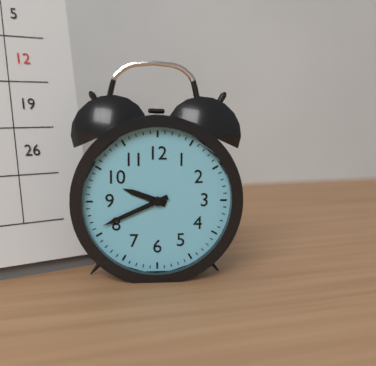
9:41
